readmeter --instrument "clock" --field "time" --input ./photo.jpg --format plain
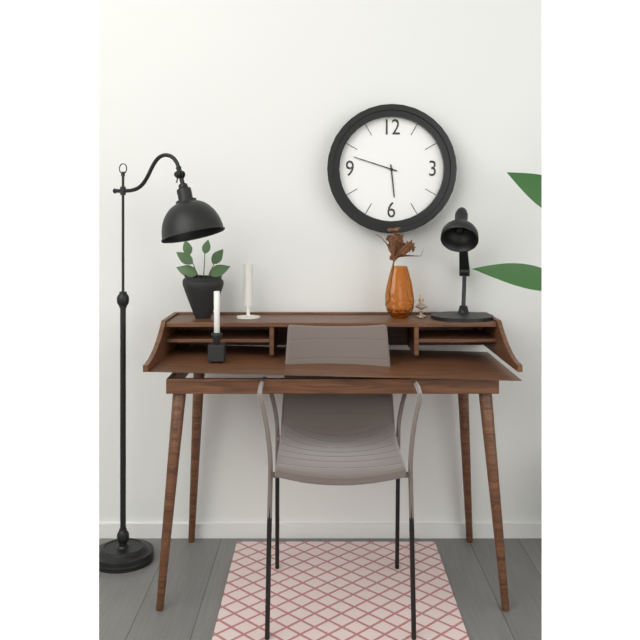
5:48
